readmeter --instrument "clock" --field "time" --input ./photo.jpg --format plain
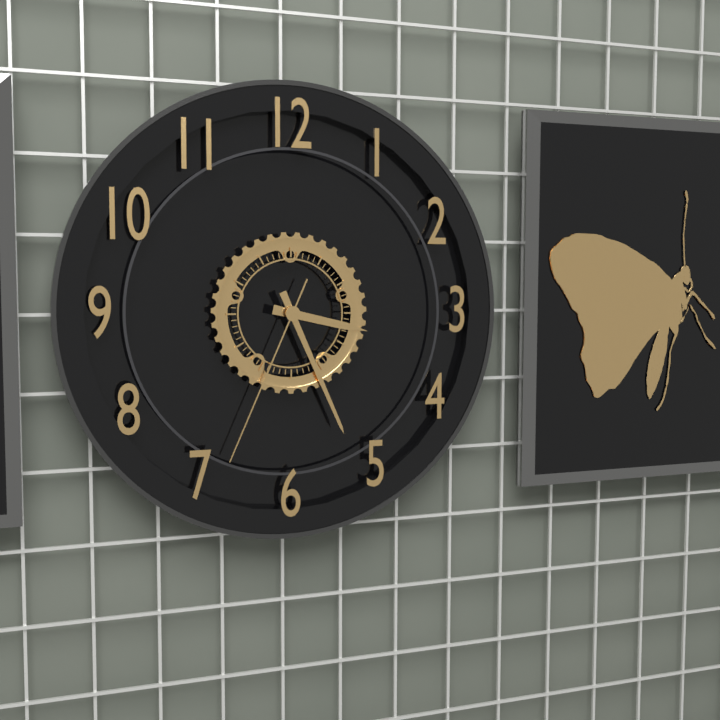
3:26:34
